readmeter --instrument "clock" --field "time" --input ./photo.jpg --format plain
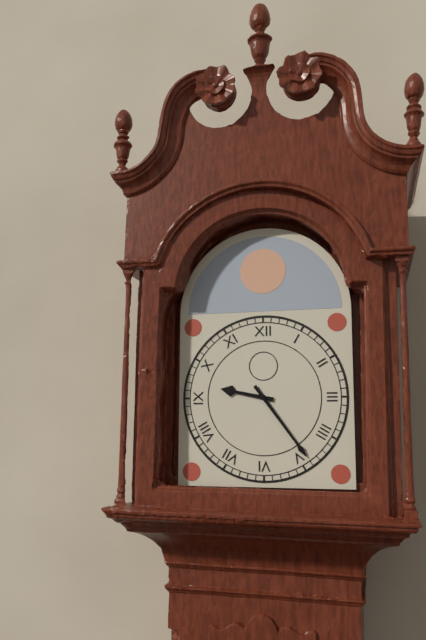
9:24
